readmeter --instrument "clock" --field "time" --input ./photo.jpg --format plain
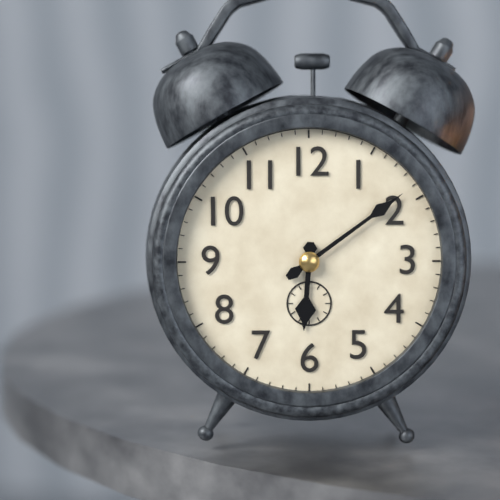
6:09
